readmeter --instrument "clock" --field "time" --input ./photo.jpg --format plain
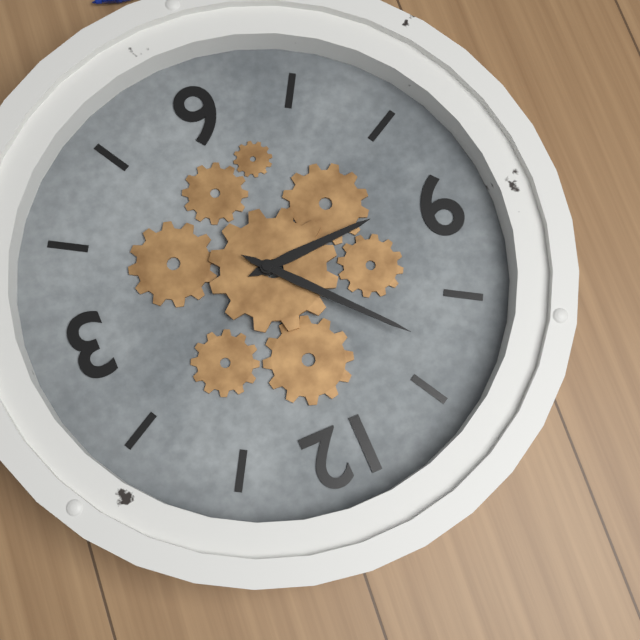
8:53
